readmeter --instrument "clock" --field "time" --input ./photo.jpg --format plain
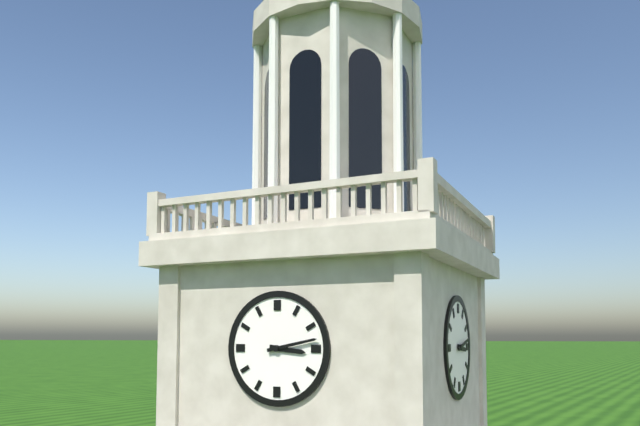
3:13
